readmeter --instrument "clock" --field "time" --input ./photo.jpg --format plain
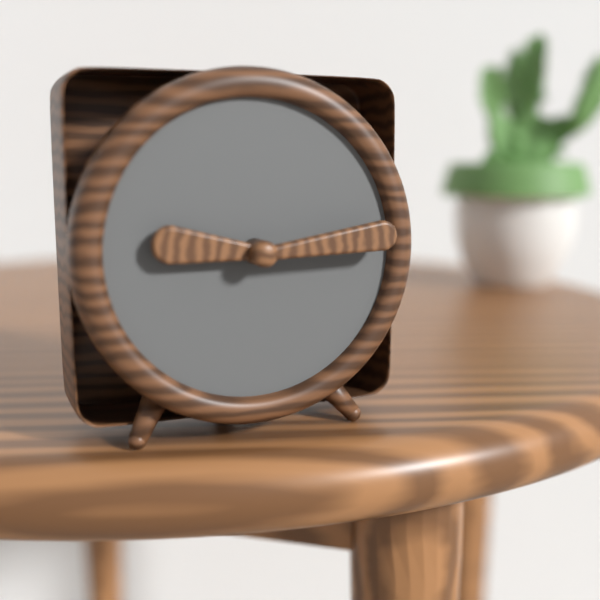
9:14
